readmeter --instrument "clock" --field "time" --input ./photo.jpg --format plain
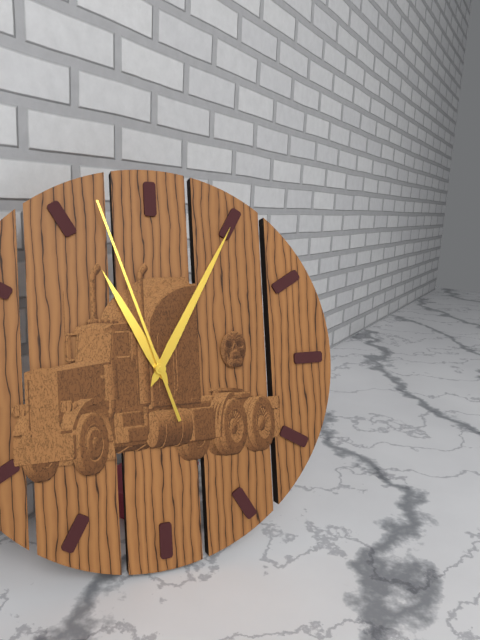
11:05:57
